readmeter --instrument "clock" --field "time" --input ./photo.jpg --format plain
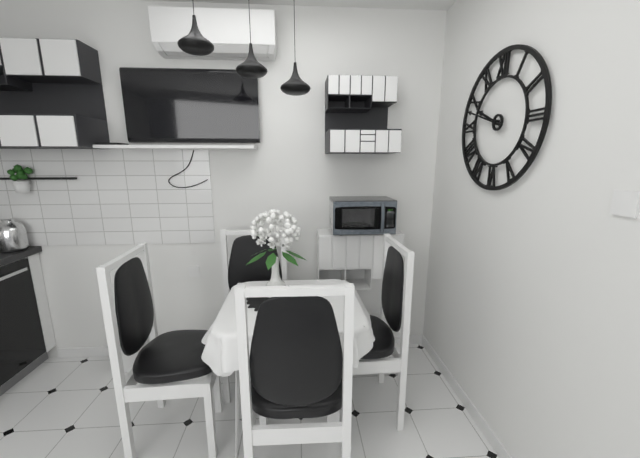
9:48
